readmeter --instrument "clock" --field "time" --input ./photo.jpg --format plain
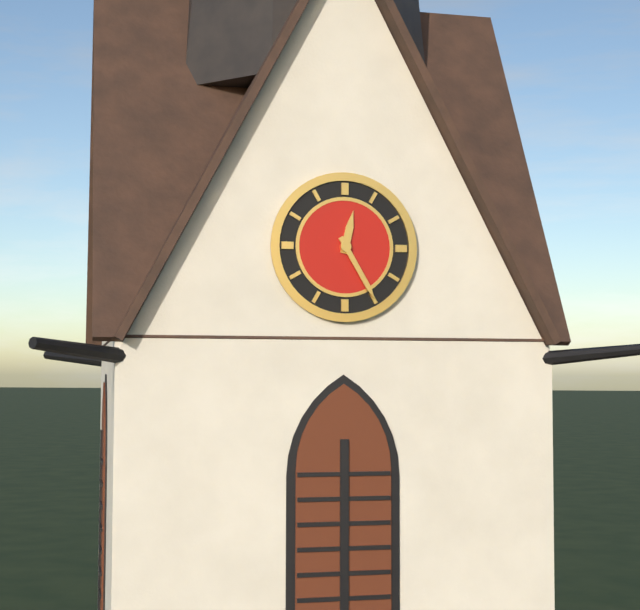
12:25
